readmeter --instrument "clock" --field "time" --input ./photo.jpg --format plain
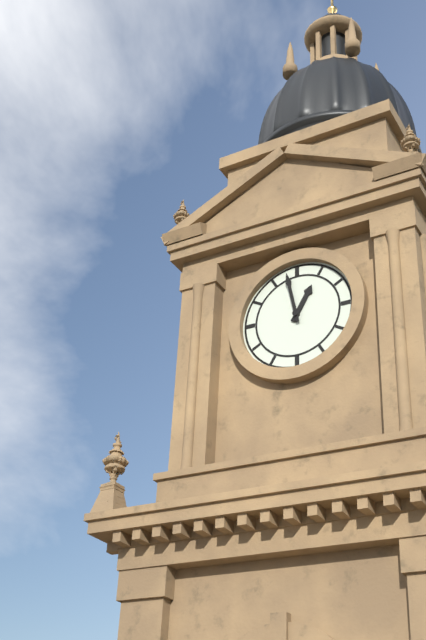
12:58
